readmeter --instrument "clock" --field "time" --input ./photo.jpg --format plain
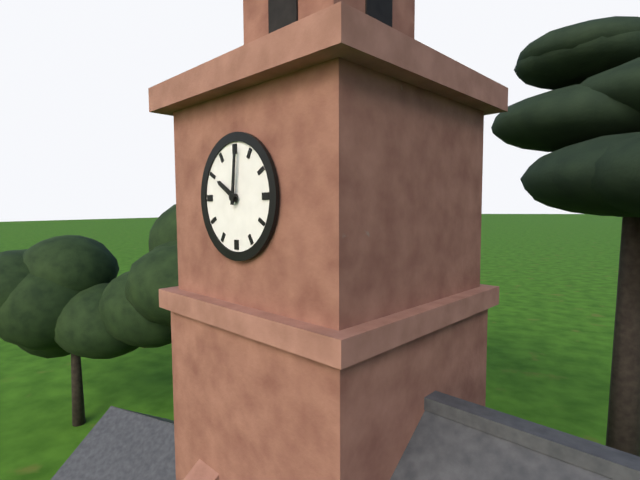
10:01
